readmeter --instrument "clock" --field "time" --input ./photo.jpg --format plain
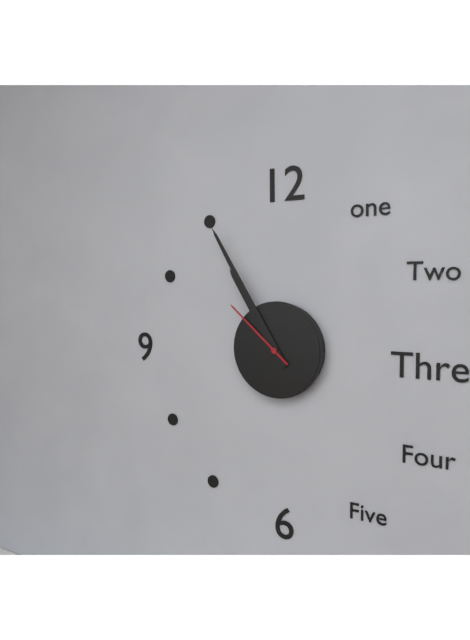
10:55:52
